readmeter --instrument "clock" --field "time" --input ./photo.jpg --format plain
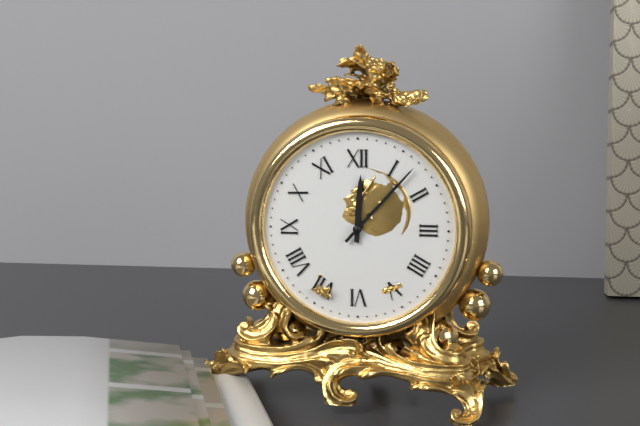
12:07
